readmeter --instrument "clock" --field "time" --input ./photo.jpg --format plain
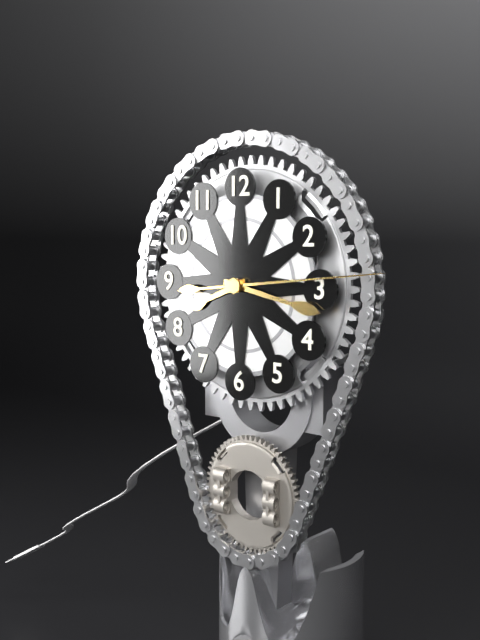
8:17:14
